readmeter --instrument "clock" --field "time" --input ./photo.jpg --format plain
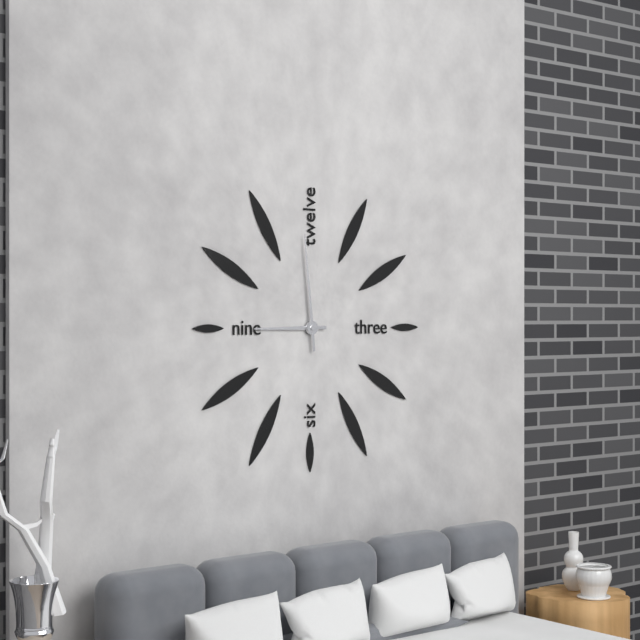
8:59
